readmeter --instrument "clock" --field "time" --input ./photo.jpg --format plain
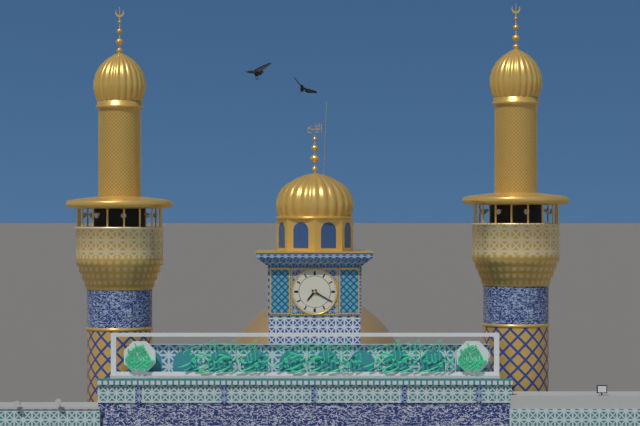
7:20
